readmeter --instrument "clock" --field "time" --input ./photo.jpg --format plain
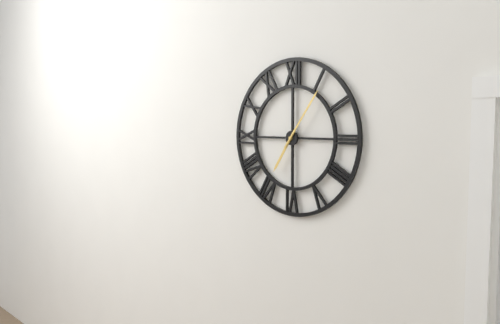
7:06
